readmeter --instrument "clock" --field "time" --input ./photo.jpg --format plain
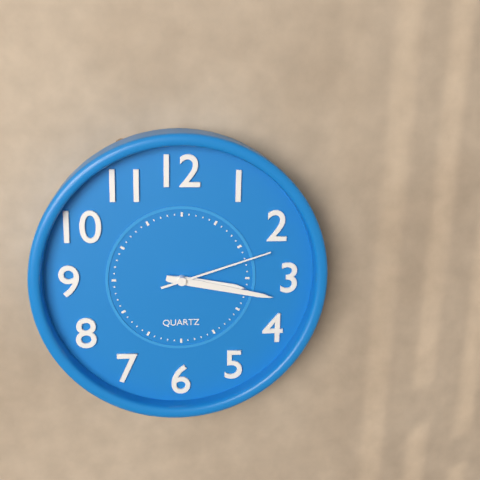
3:17:12
